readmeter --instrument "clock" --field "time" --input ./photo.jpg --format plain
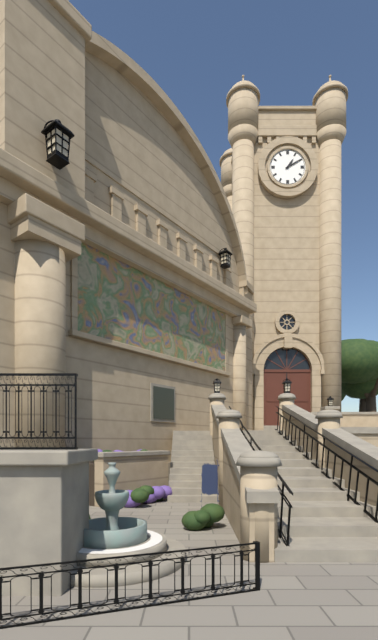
1:10
